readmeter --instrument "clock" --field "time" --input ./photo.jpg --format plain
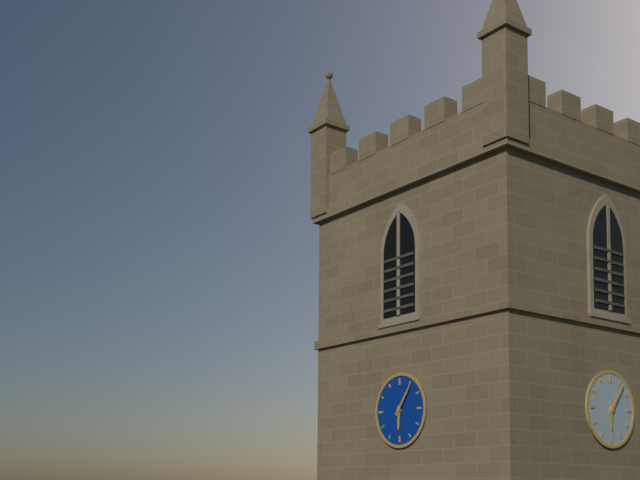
6:06
